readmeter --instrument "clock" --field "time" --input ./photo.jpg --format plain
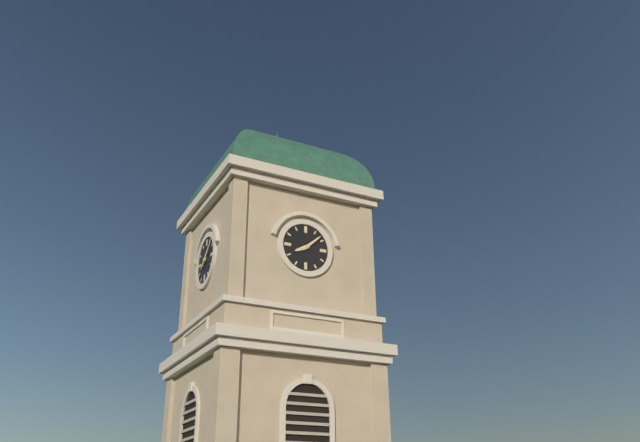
8:08
